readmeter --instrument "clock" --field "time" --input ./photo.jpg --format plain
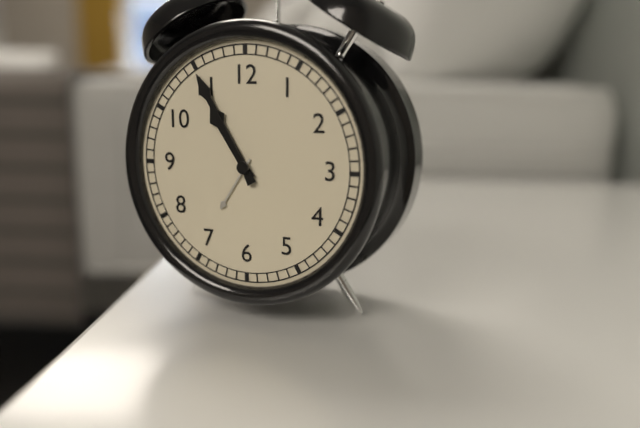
10:55
